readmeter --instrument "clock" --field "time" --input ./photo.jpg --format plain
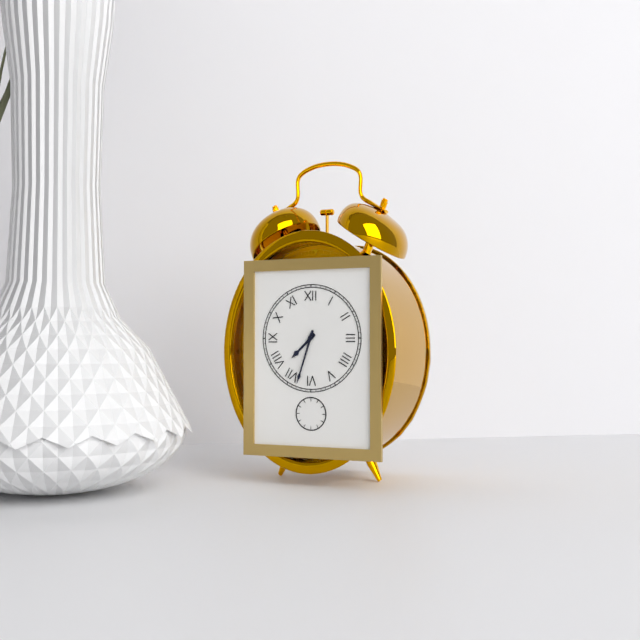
7:33
